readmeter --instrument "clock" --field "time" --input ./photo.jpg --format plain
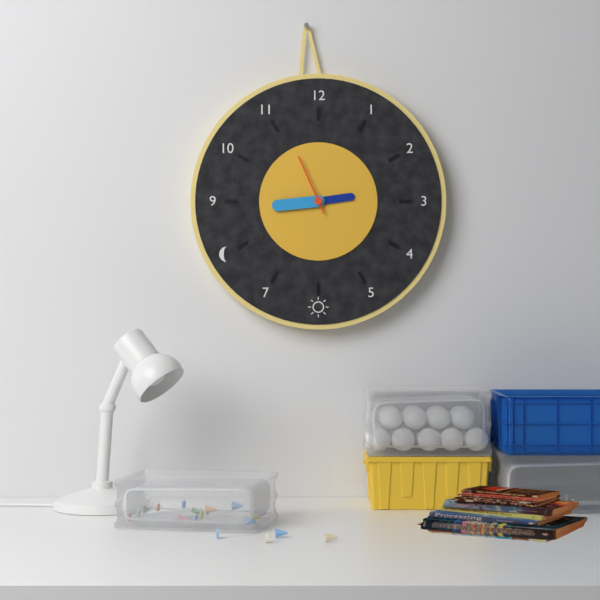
2:44:56
